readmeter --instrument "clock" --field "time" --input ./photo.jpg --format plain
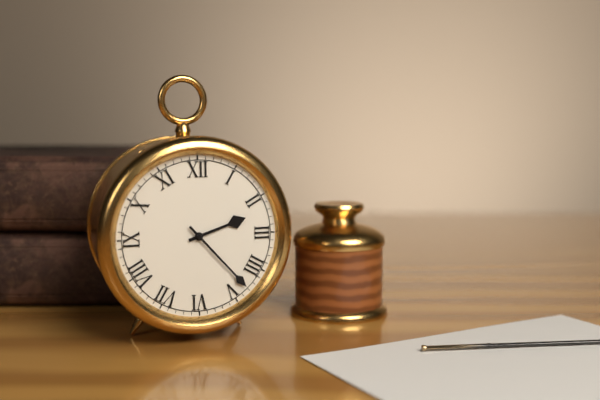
2:23
